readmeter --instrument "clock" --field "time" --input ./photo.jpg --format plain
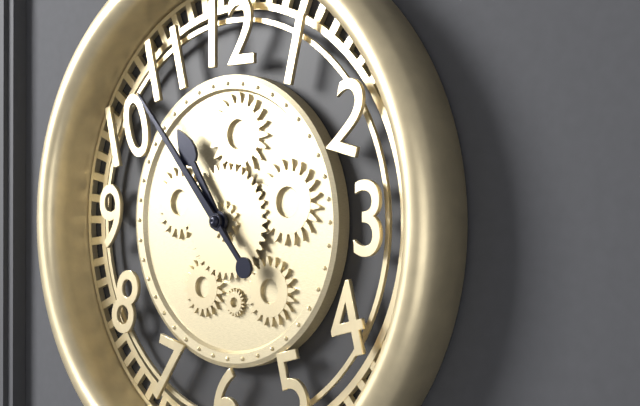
10:53
